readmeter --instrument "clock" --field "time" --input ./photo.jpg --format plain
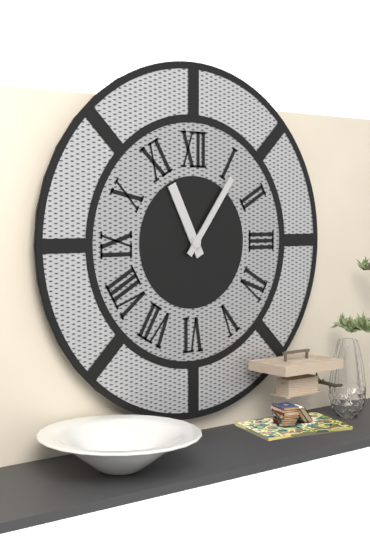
11:06
